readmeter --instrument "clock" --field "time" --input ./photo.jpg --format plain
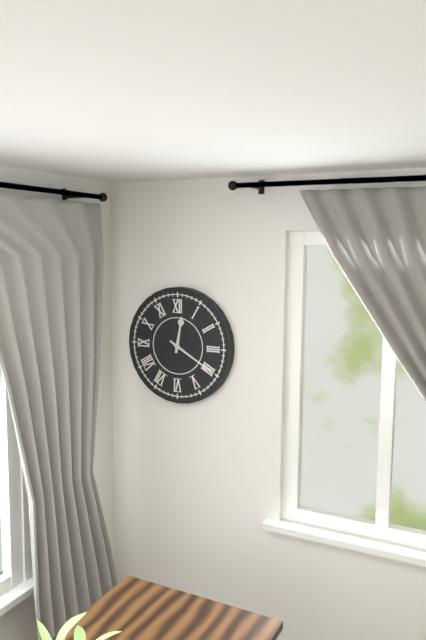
12:20
